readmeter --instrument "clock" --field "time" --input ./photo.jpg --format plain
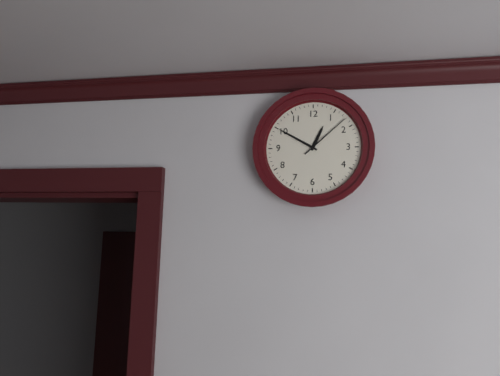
12:50:08
